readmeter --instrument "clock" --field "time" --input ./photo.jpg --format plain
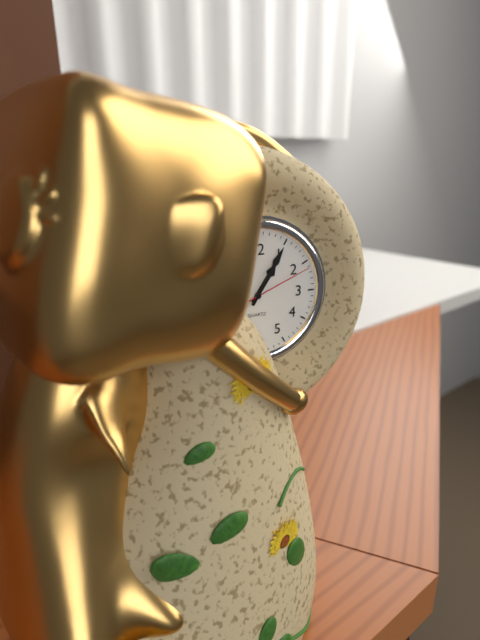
1:05:11
